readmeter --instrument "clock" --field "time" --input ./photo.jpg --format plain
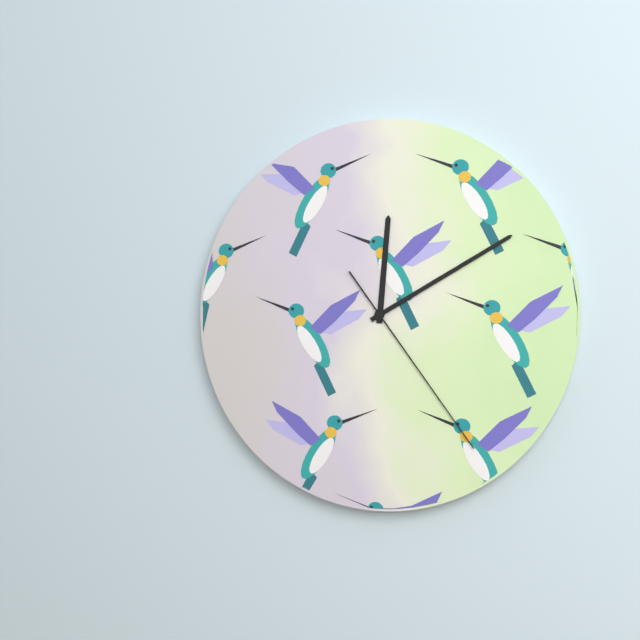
12:10:24
